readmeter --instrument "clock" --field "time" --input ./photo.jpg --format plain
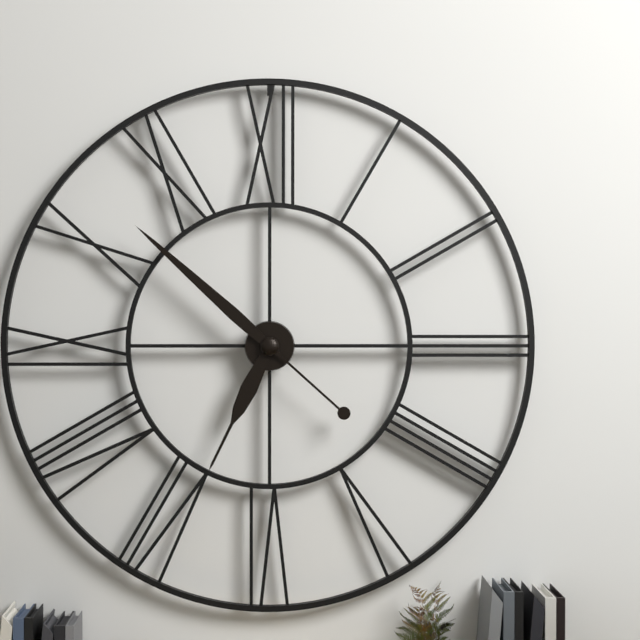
6:52
